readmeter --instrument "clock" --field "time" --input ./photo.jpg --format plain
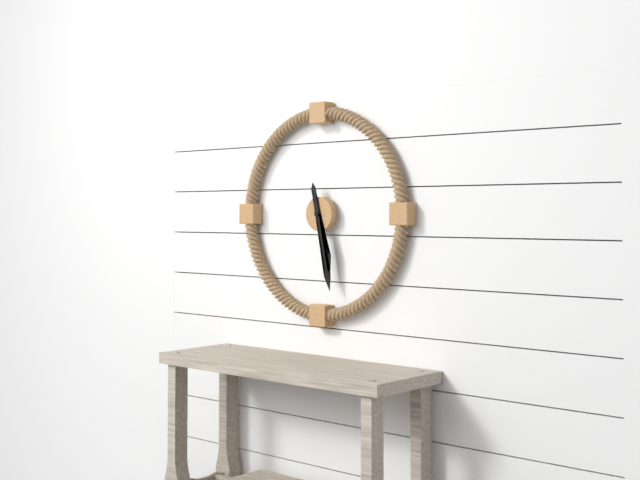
5:28
